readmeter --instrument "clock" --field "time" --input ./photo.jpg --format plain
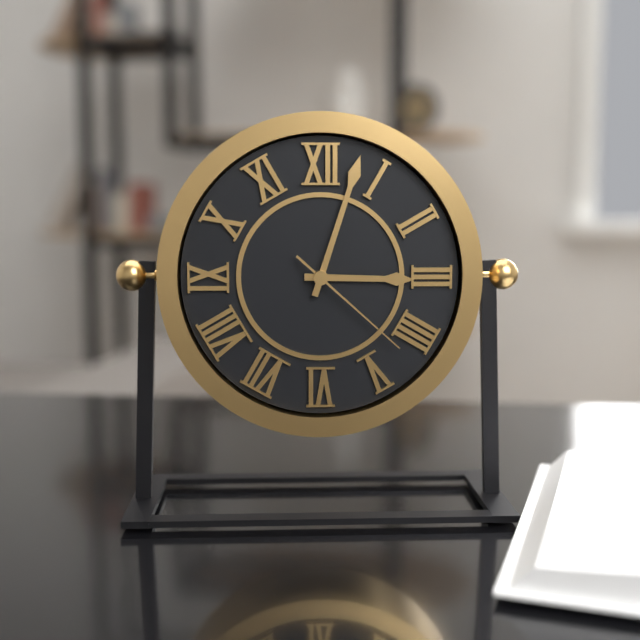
3:03:22
